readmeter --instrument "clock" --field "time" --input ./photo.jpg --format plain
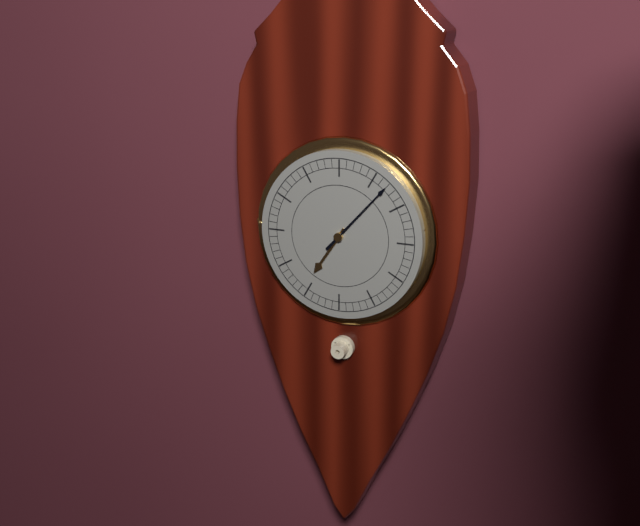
7:07
